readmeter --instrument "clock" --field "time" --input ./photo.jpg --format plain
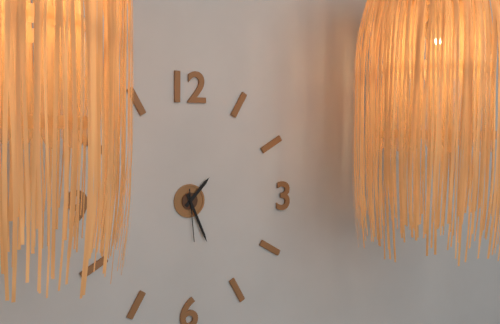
1:26:29
